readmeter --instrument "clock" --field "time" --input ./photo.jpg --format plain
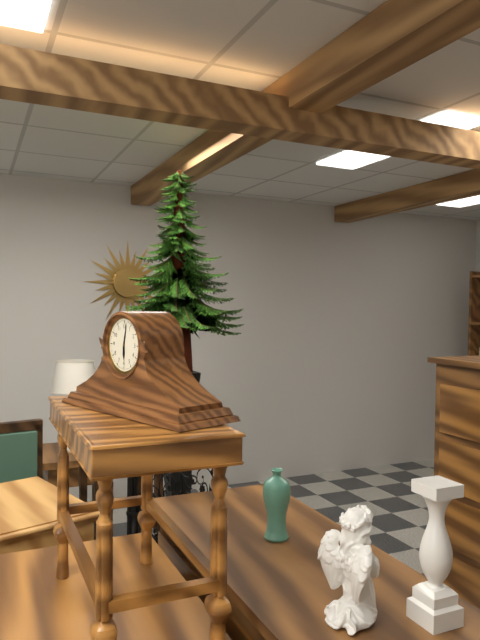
6:02
